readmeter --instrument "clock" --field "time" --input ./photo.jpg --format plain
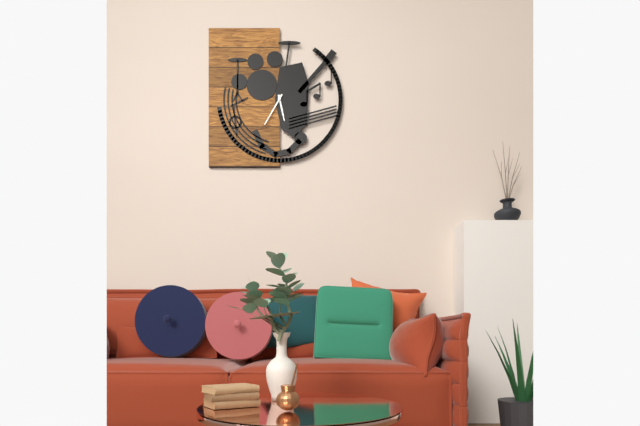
5:35
